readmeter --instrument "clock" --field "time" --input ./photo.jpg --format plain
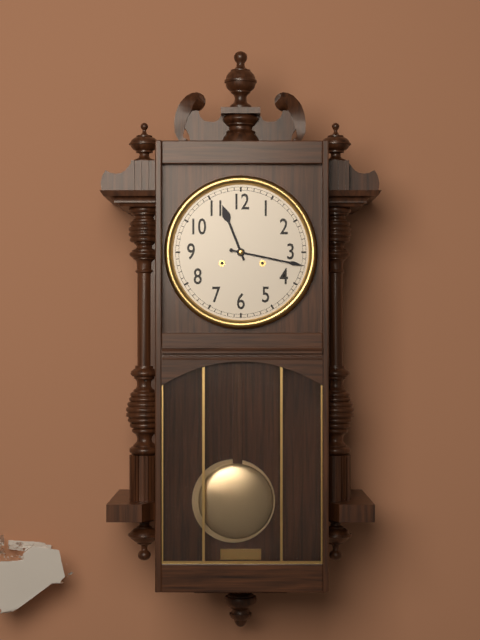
11:17
